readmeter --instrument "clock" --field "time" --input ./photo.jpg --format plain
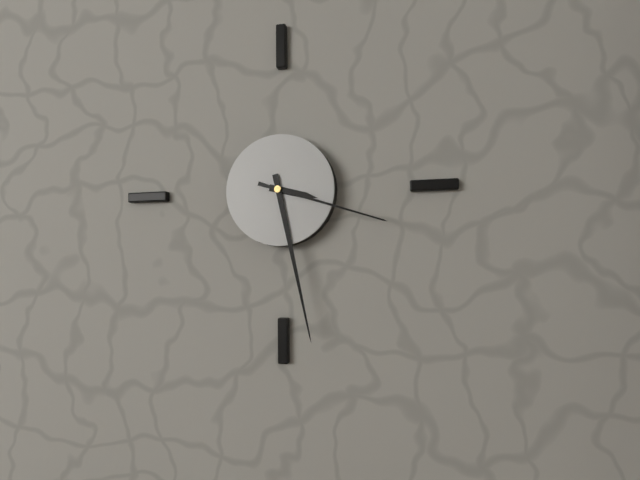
3:28:18
